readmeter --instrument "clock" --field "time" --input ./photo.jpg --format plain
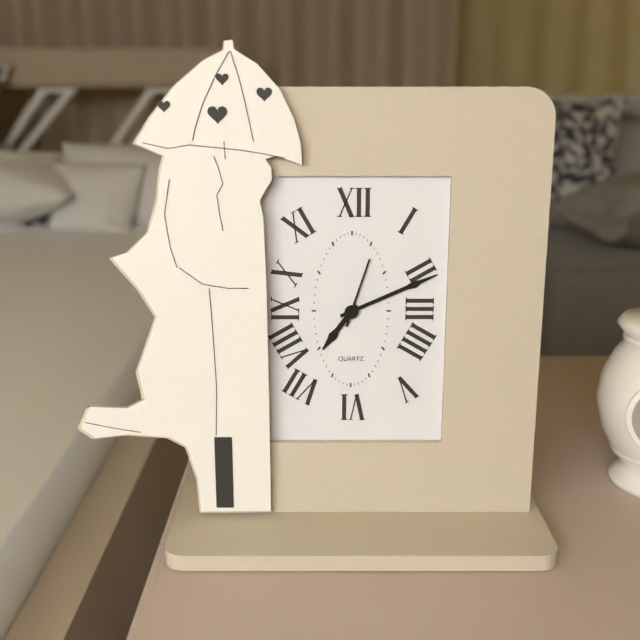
7:11:03
